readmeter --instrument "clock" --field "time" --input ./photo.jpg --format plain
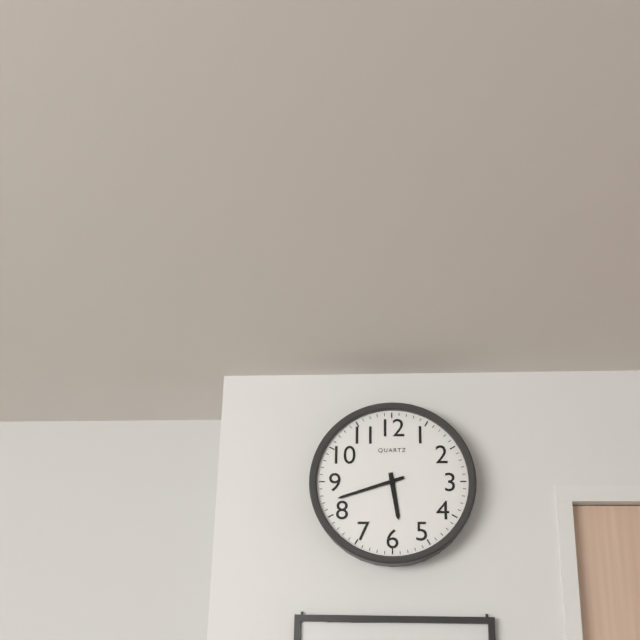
5:42
